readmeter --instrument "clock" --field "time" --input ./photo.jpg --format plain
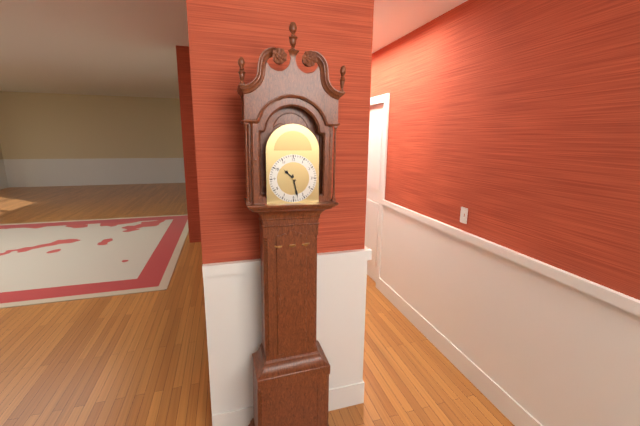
10:28
